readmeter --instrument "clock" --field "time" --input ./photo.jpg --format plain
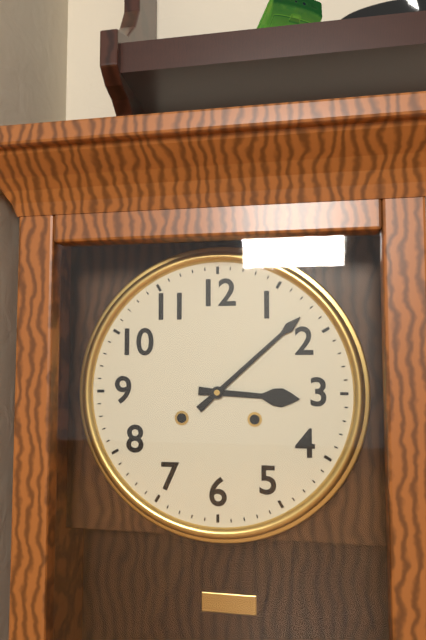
3:08
